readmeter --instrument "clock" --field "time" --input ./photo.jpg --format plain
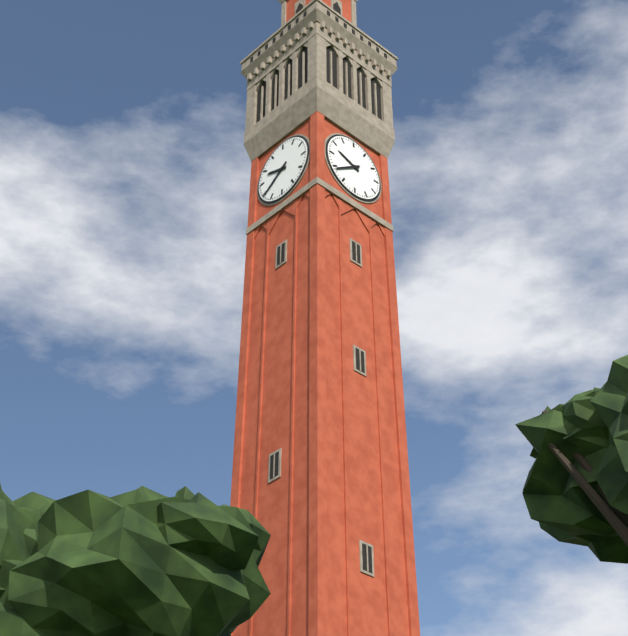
9:39
